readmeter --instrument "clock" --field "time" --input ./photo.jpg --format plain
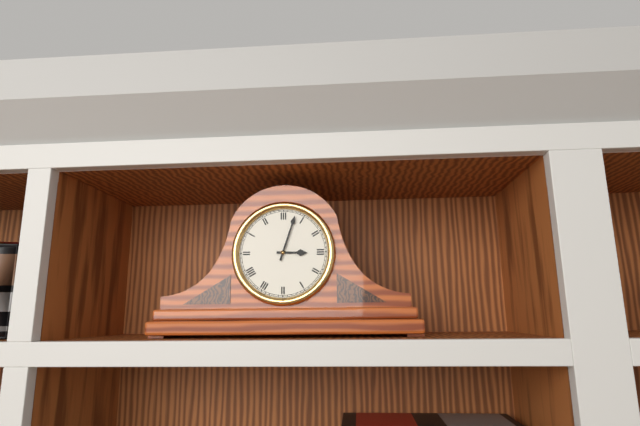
3:03
